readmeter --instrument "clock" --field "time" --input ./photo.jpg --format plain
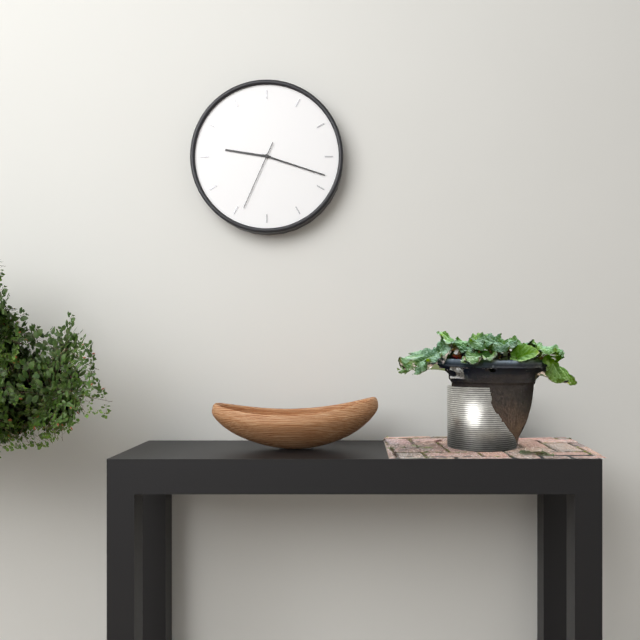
9:18:34
